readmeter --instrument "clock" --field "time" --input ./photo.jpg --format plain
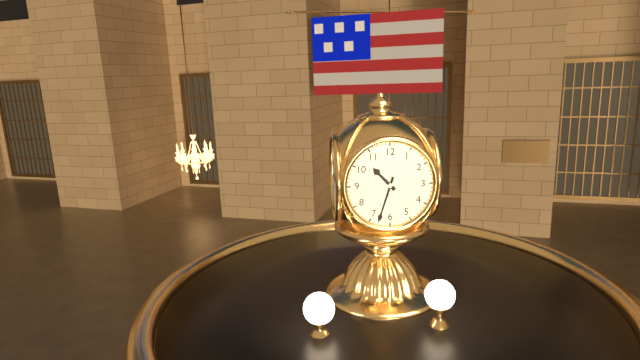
10:33
